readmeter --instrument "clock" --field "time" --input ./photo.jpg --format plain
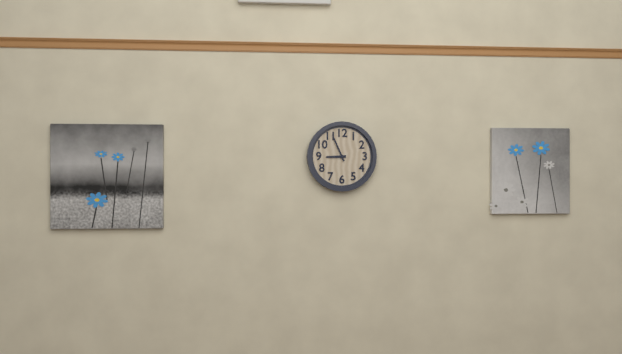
8:56
